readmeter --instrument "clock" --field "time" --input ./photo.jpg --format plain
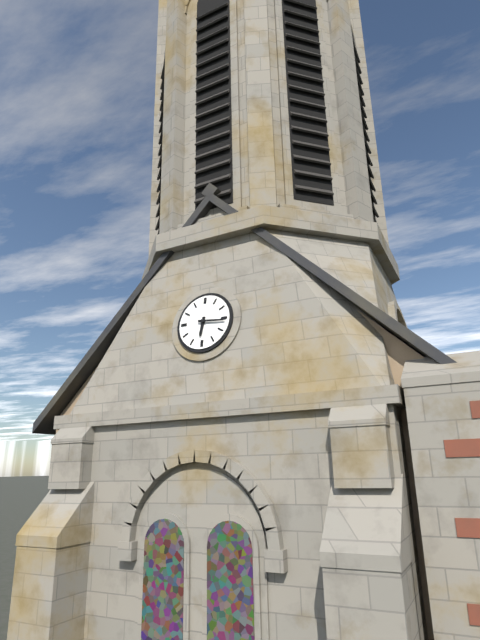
6:16
